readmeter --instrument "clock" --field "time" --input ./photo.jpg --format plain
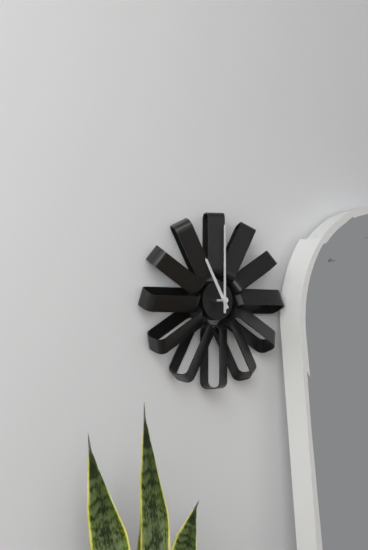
11:00
